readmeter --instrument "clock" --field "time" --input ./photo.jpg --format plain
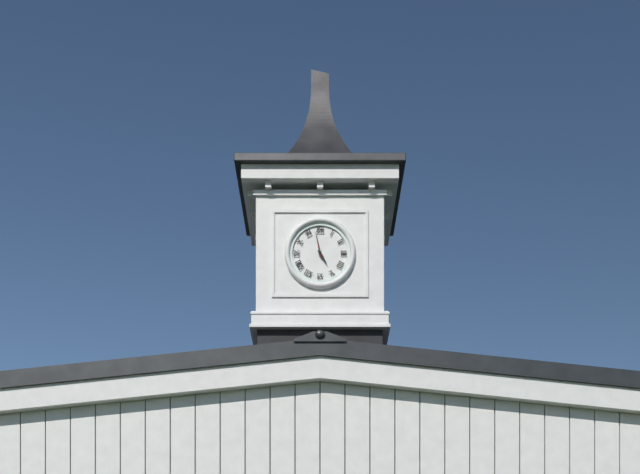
4:58
